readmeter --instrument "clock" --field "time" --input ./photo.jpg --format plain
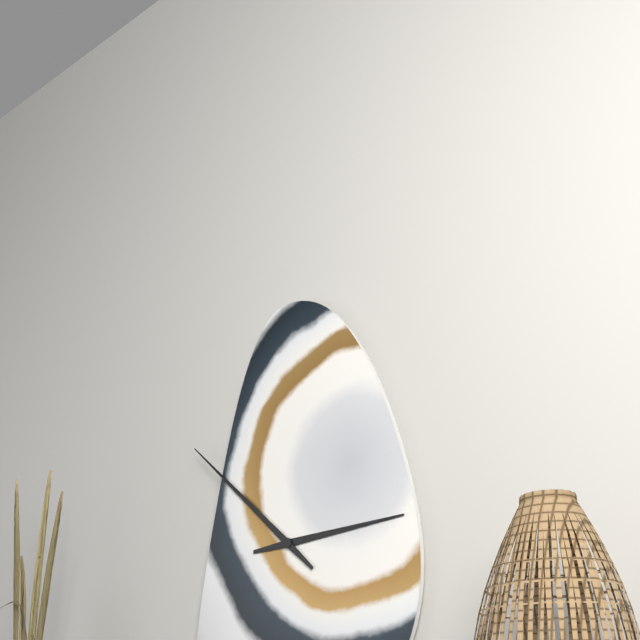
2:52
